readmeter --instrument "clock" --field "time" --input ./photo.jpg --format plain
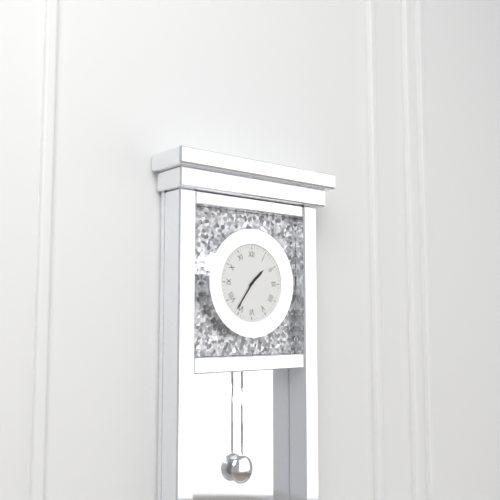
1:36
